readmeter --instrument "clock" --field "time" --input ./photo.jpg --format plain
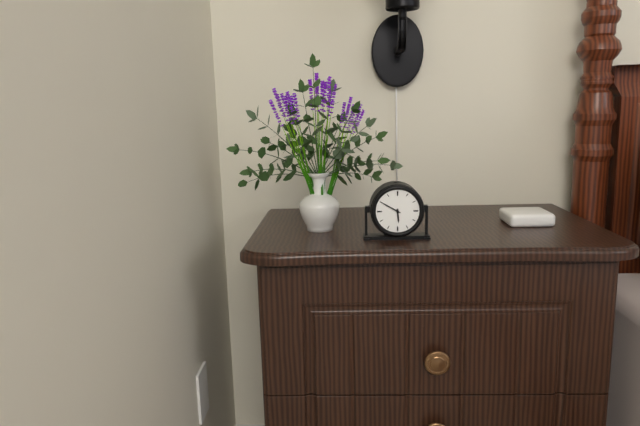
5:50
